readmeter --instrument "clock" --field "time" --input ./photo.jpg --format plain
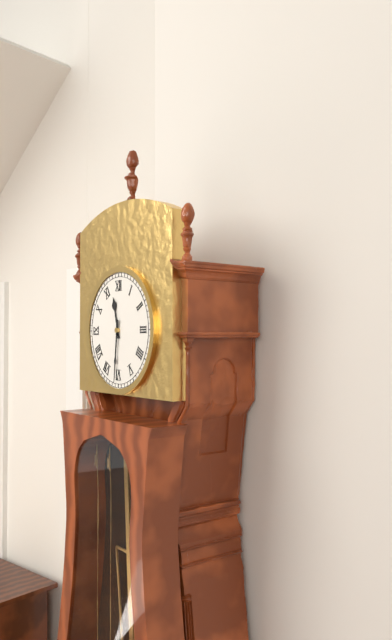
11:31
